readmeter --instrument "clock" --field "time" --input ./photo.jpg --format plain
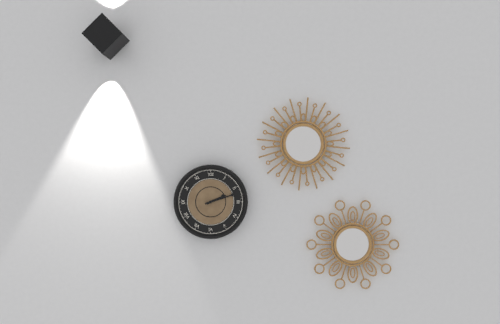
2:12
